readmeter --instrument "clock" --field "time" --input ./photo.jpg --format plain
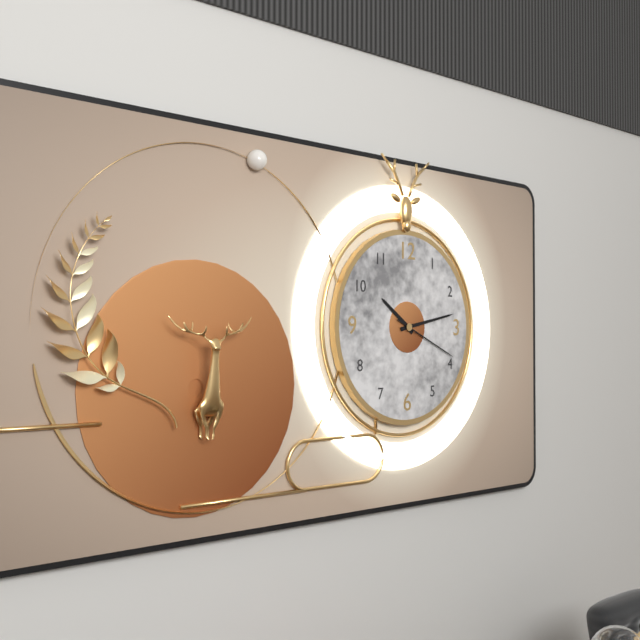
10:13:19
